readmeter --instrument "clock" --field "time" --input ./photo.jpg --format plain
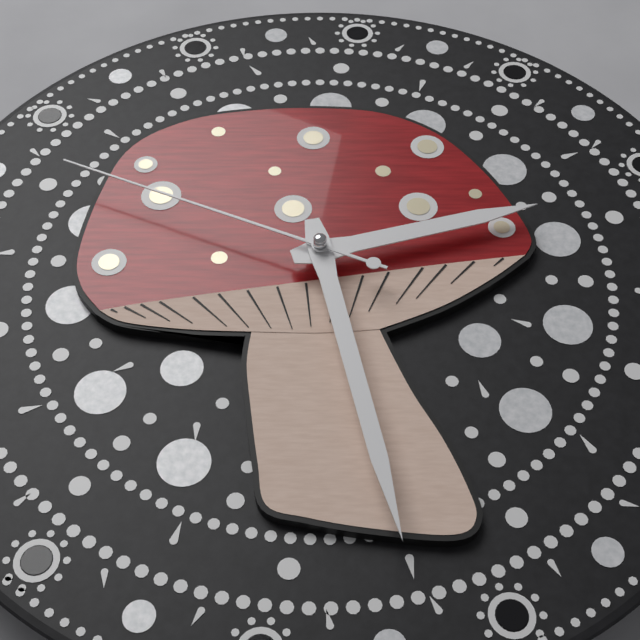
2:28:49
